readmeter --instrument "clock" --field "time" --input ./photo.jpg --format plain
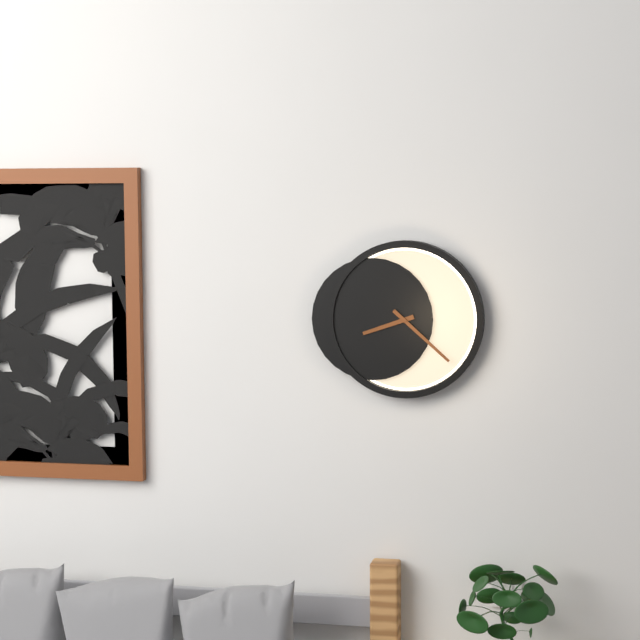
8:22
